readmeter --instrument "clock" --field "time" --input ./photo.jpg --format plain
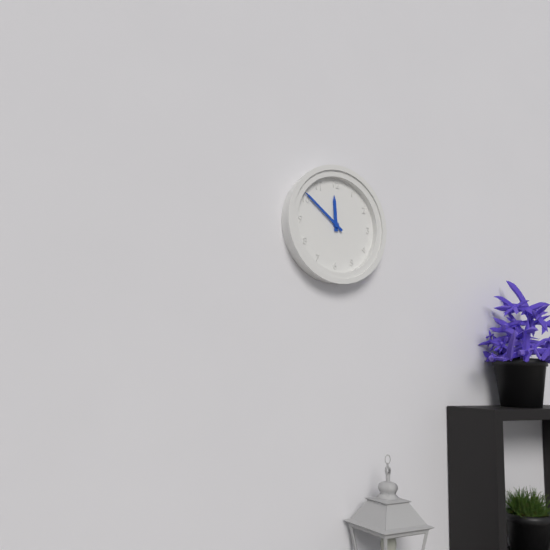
11:51
